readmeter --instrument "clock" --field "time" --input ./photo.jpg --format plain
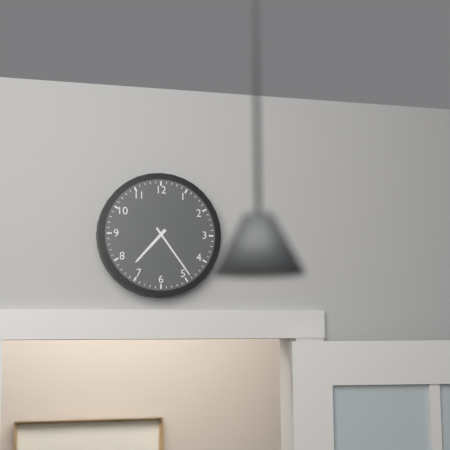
7:24
